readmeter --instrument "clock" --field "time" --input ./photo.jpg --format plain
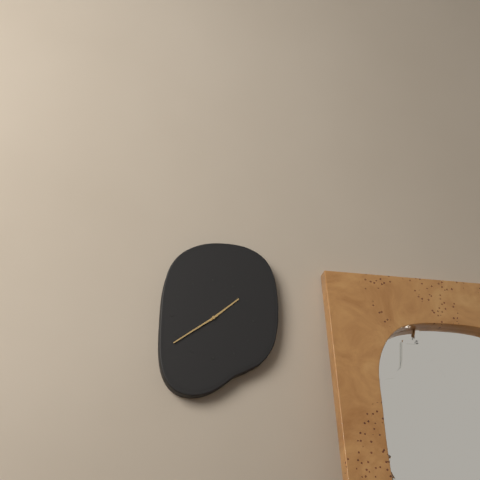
1:39
